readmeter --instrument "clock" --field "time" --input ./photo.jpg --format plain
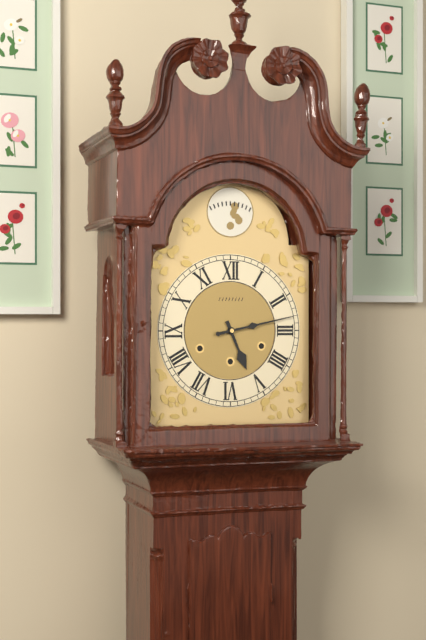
5:13
